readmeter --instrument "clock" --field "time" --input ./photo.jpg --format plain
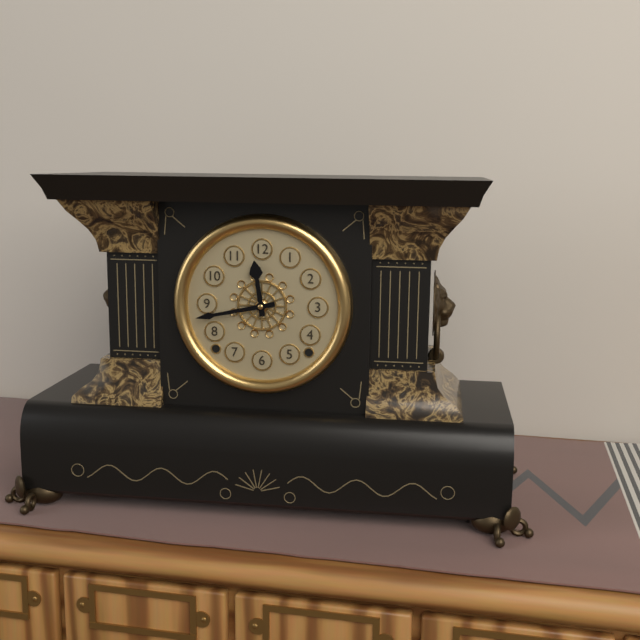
11:43
